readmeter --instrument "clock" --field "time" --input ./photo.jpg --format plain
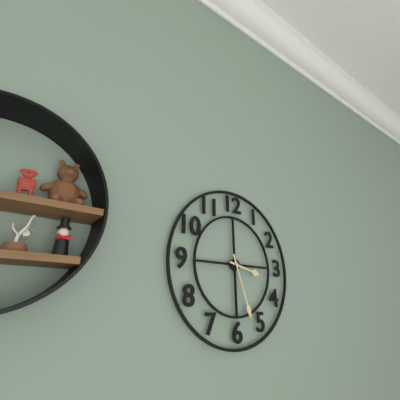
3:27
